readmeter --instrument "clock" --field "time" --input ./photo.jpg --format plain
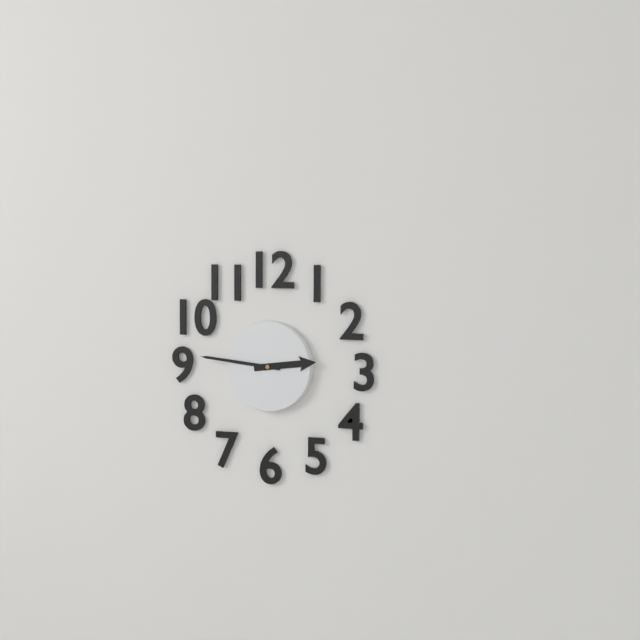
2:46
